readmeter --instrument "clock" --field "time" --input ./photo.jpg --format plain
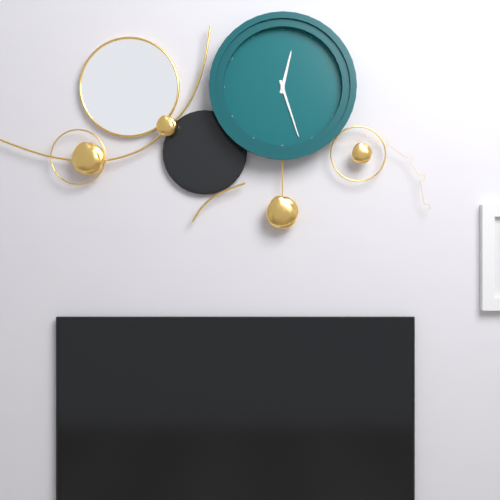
12:27
